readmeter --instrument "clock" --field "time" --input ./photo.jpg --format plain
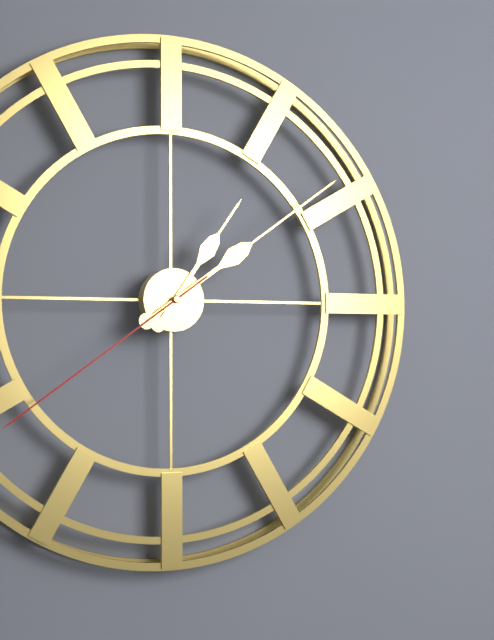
1:09:39
